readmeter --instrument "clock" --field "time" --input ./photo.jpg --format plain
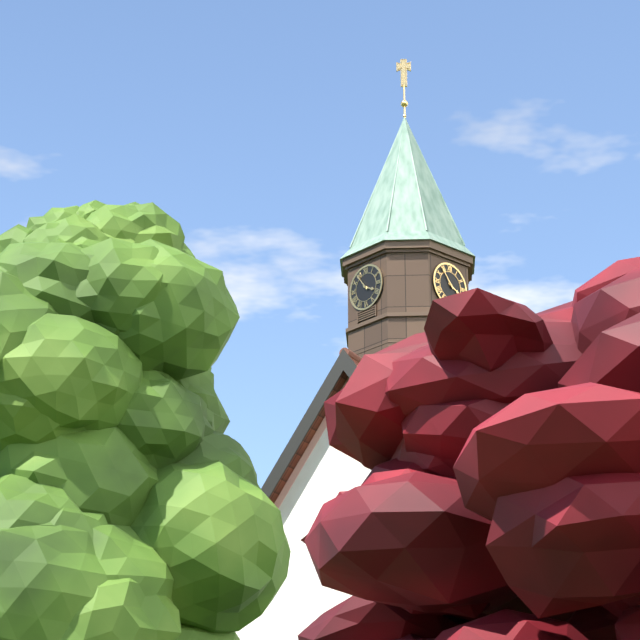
3:54
